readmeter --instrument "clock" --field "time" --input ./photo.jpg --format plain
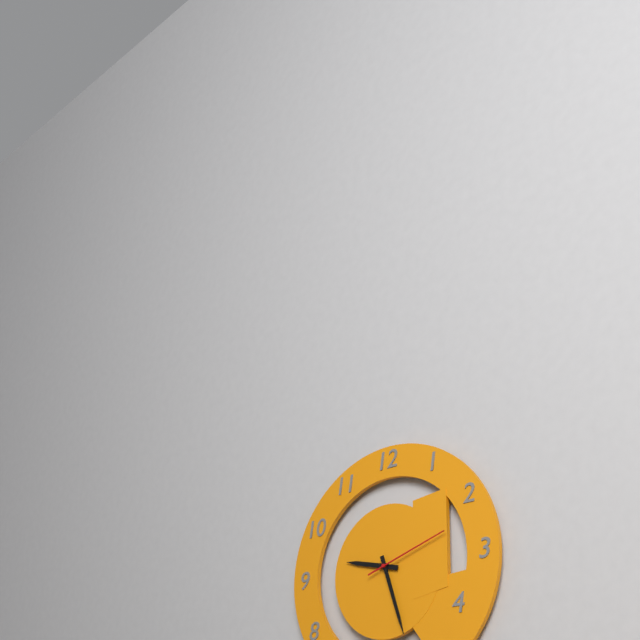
9:27:12
